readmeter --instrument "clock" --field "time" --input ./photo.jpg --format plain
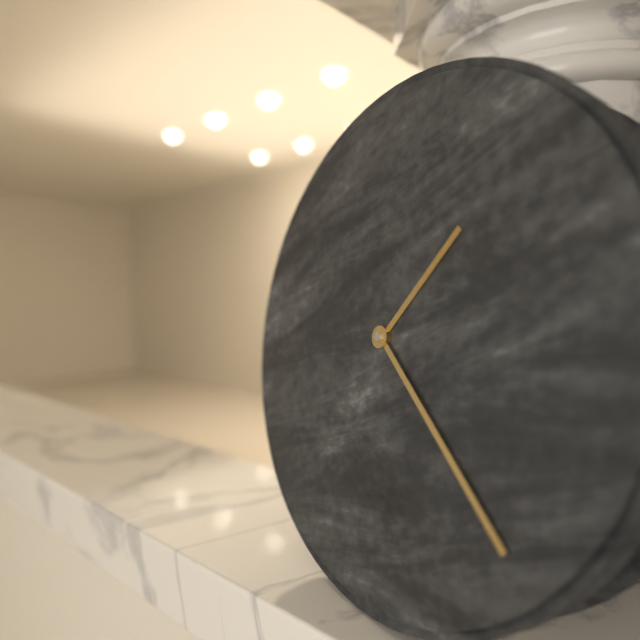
1:22
